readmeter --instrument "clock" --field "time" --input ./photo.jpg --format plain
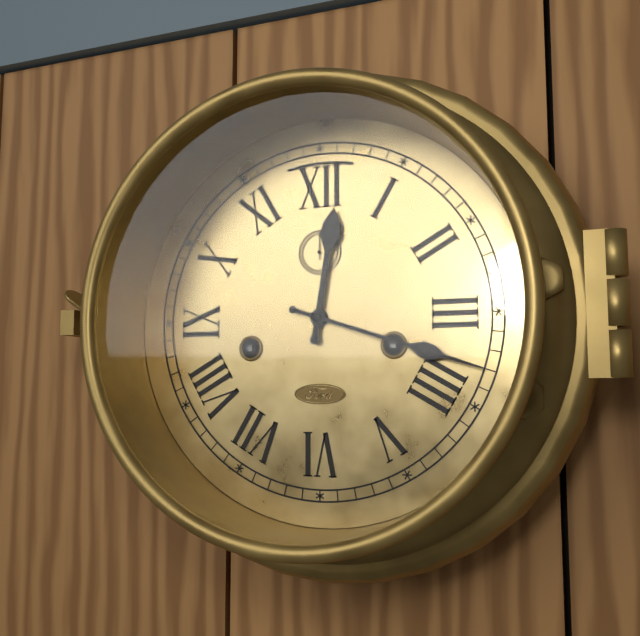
12:18
